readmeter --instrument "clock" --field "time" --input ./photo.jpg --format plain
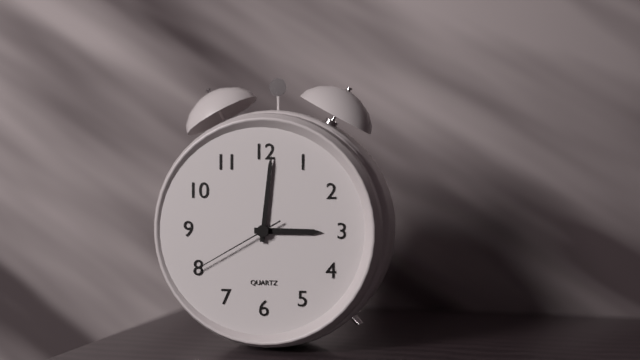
3:01:40
